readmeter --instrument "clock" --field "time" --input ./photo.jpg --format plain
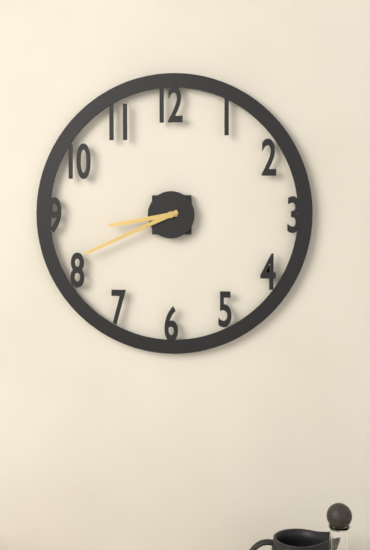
8:41
